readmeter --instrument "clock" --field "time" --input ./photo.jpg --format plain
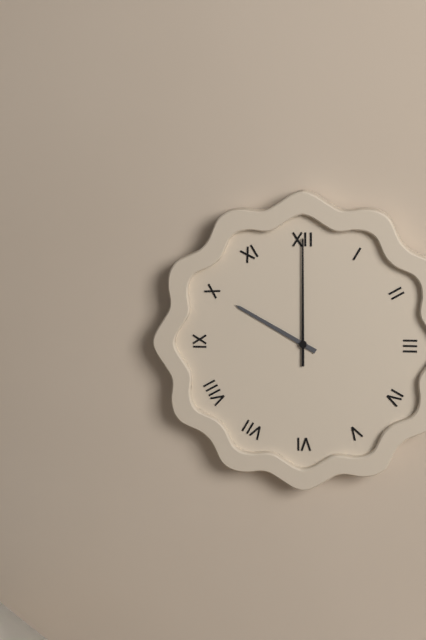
10:00
